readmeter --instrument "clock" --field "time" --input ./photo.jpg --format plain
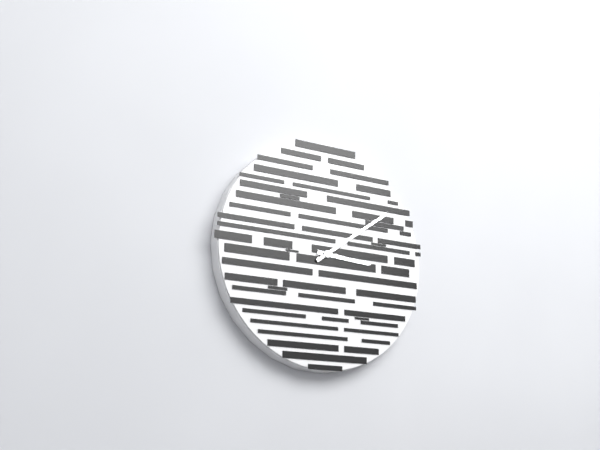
3:09
